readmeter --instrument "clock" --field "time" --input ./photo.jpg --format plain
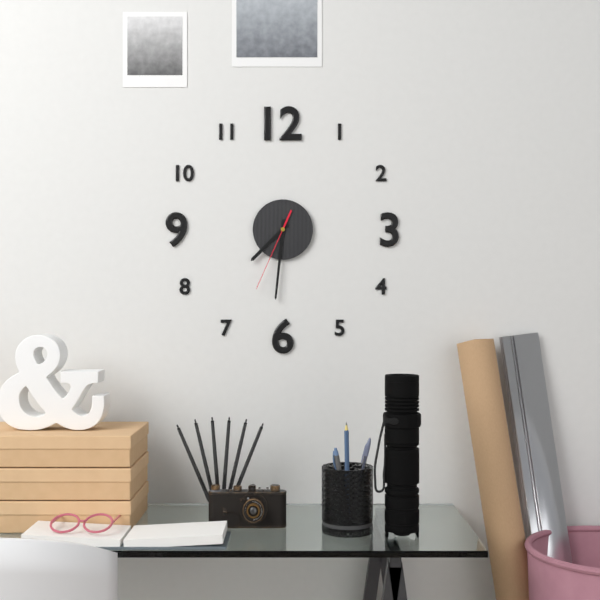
7:31:34
